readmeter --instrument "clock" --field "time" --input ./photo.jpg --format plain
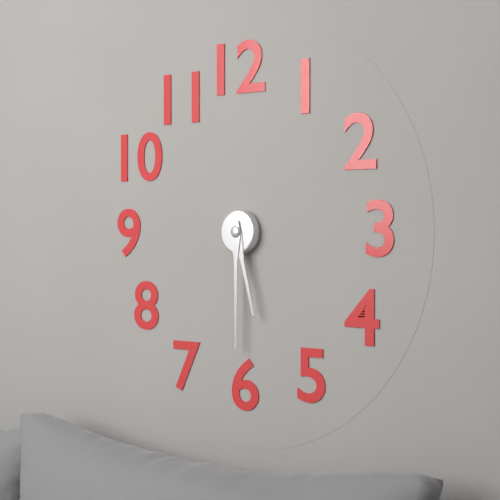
5:30
